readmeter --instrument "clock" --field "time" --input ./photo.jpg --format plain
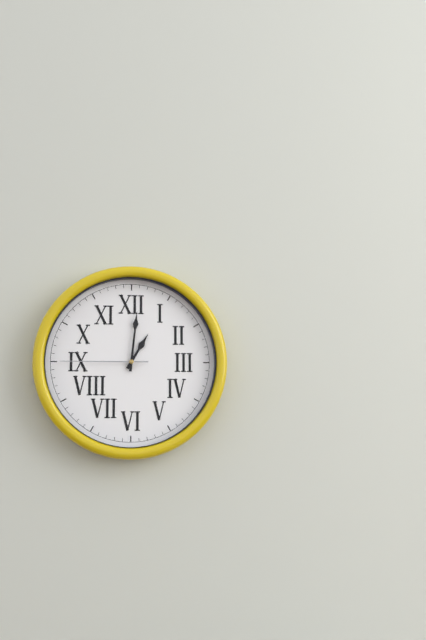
1:01:45
